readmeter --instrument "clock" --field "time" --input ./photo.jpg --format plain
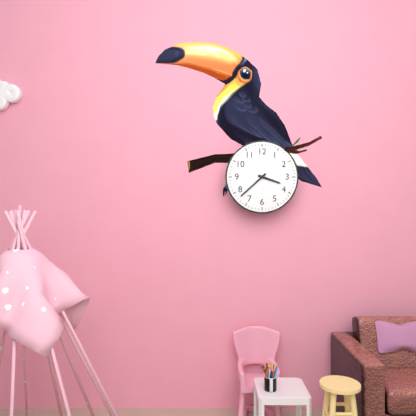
3:38
